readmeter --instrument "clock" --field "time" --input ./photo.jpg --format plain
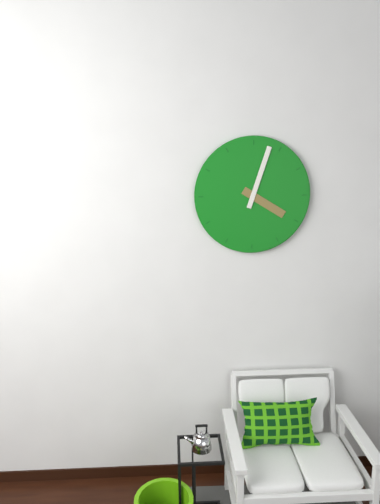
4:03
